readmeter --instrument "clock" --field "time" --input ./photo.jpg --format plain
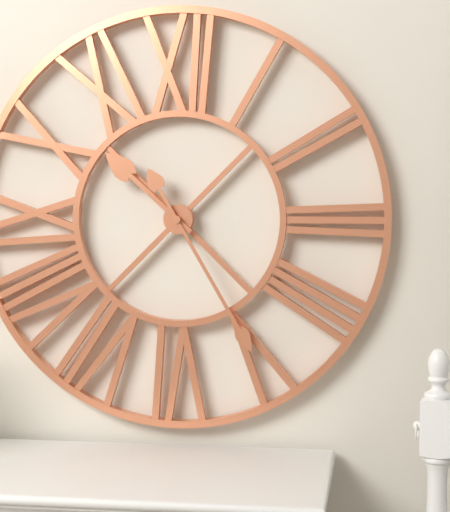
10:25
